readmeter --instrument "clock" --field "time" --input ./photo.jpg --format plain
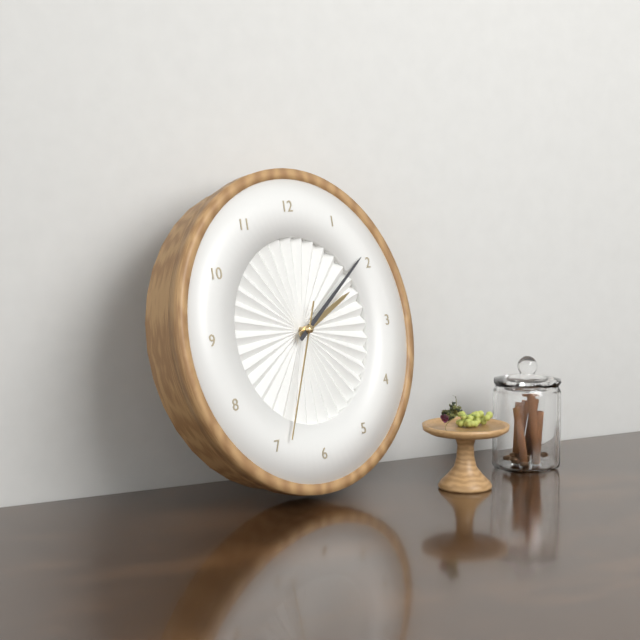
2:09:34
